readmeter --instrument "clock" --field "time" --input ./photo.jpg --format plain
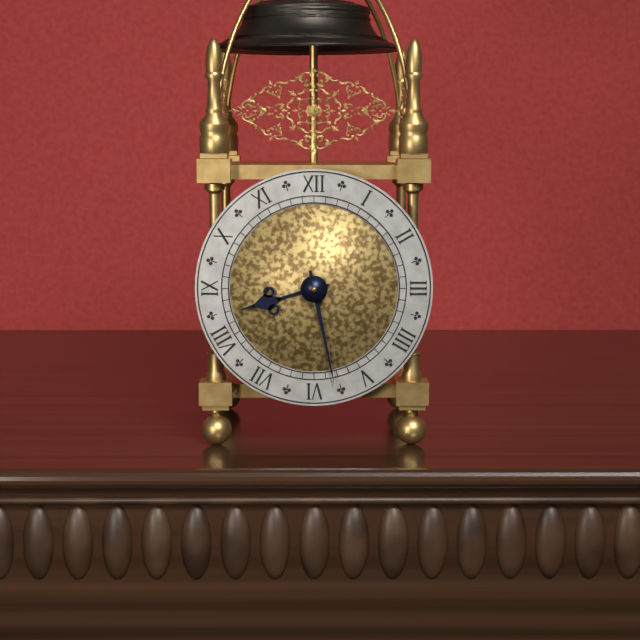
8:28
